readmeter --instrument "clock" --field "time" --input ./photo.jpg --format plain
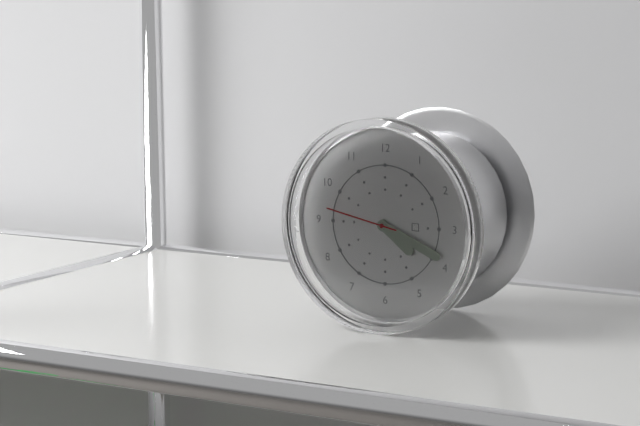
4:19:47
